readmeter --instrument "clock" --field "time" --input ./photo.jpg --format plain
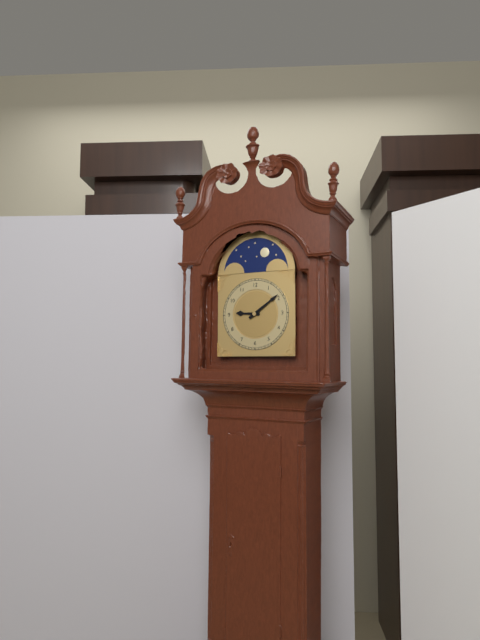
9:09
